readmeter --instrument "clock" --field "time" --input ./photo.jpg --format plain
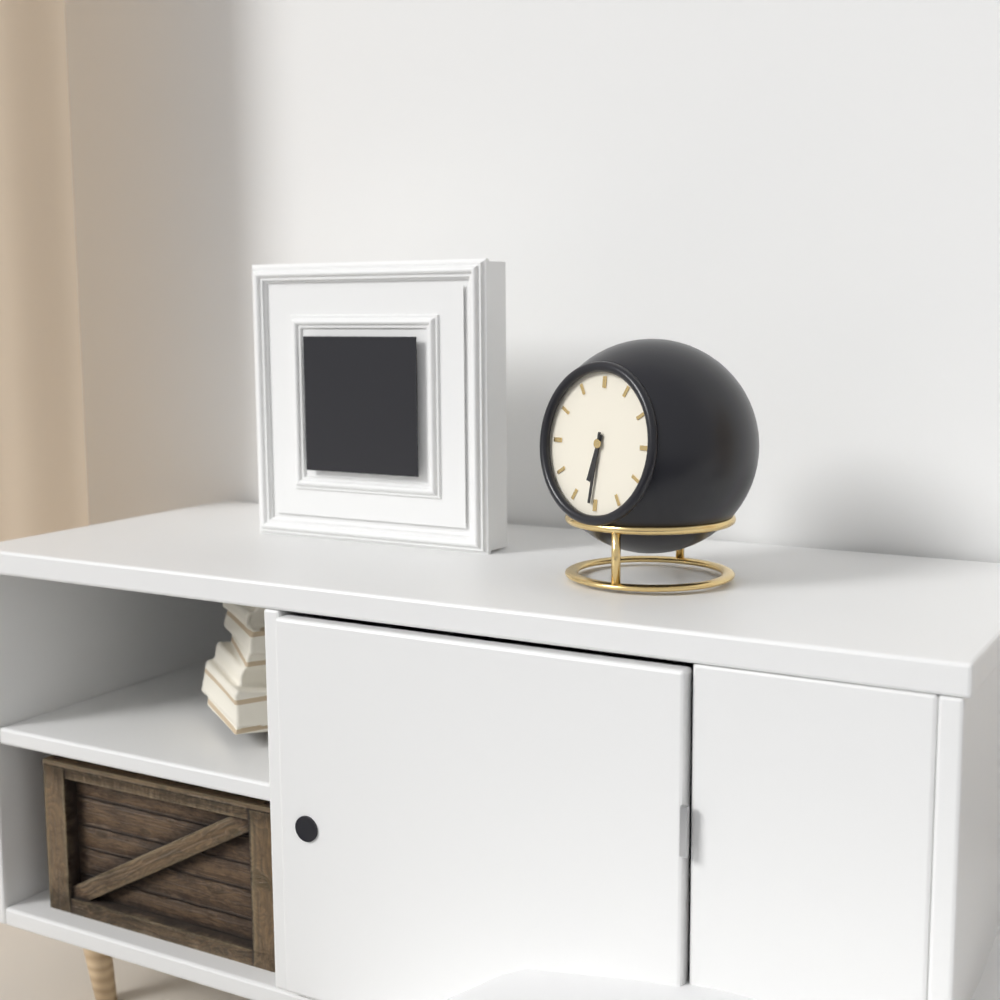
6:31
